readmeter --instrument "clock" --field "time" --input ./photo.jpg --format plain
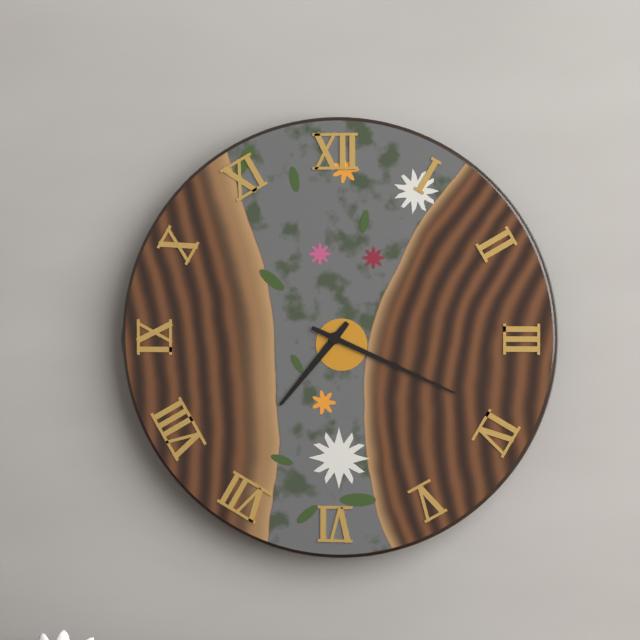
7:19
